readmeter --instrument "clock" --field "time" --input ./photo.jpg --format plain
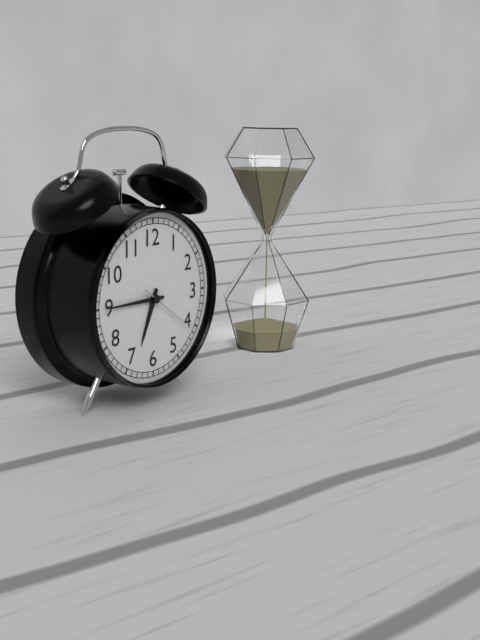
6:45:21
